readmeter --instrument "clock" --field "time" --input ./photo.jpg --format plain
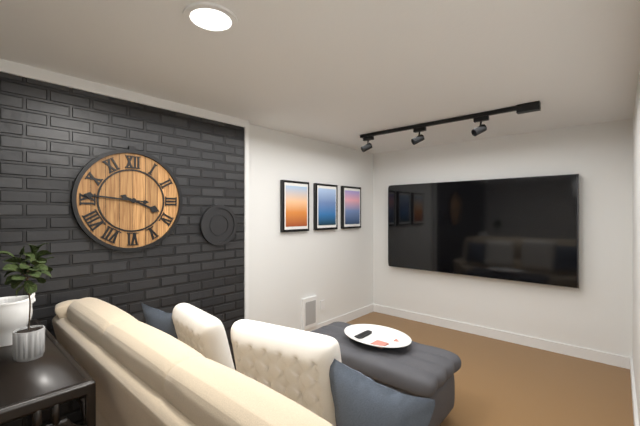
3:46
